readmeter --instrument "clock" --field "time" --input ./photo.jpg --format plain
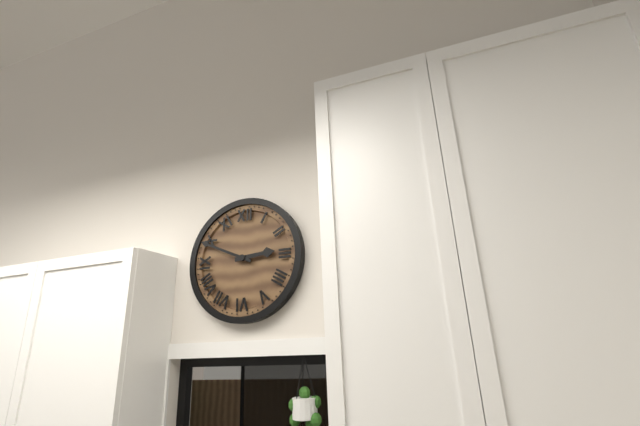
2:49
